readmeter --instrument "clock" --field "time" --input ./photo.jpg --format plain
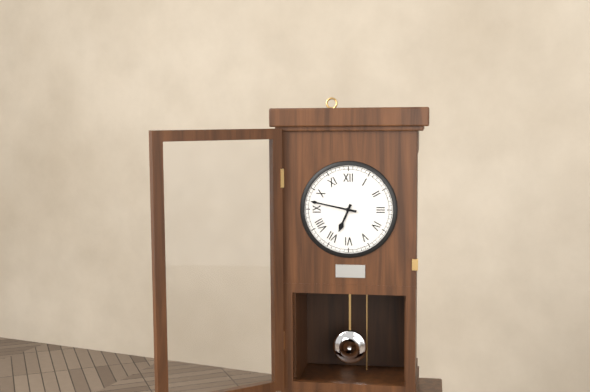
6:47
